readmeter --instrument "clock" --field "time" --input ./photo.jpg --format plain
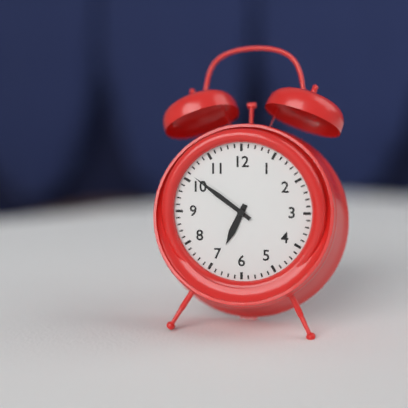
6:51
